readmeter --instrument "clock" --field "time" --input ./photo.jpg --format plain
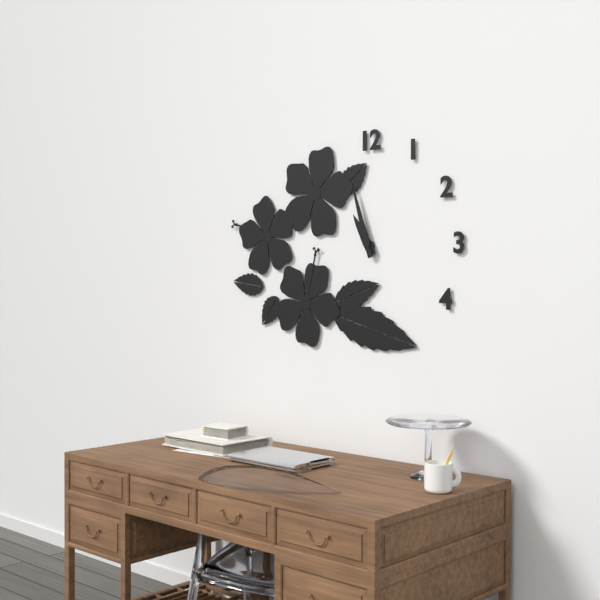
10:57
